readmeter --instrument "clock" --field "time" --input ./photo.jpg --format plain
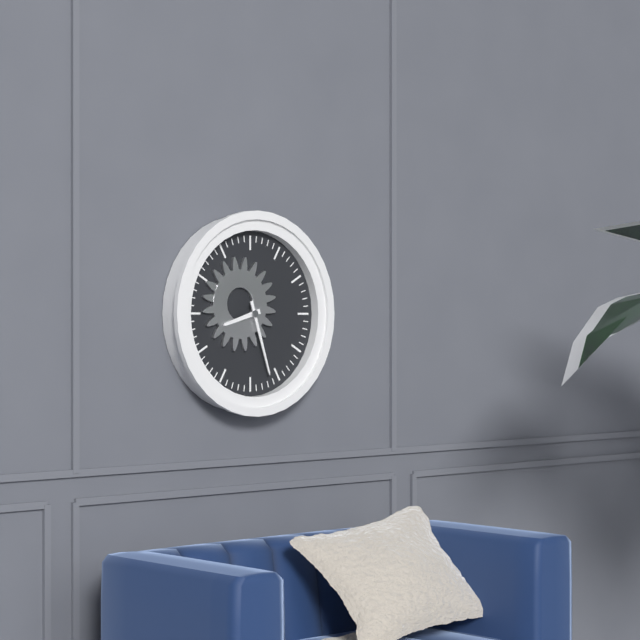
8:27
